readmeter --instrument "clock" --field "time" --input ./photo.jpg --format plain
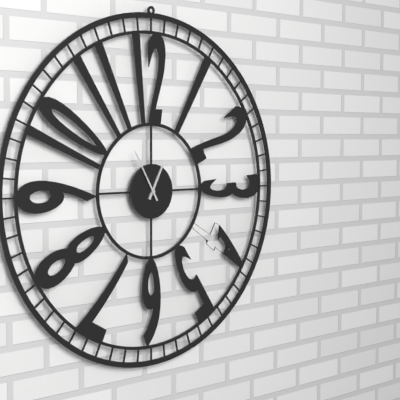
12:55
